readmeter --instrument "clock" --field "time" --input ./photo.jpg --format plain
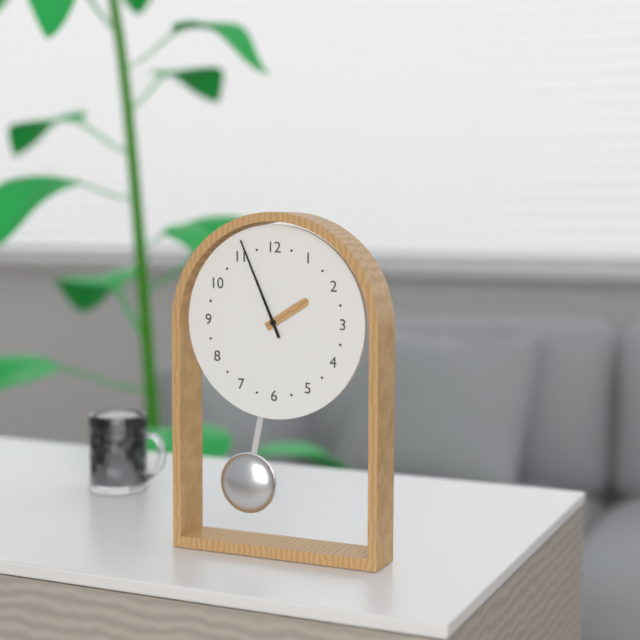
1:56
